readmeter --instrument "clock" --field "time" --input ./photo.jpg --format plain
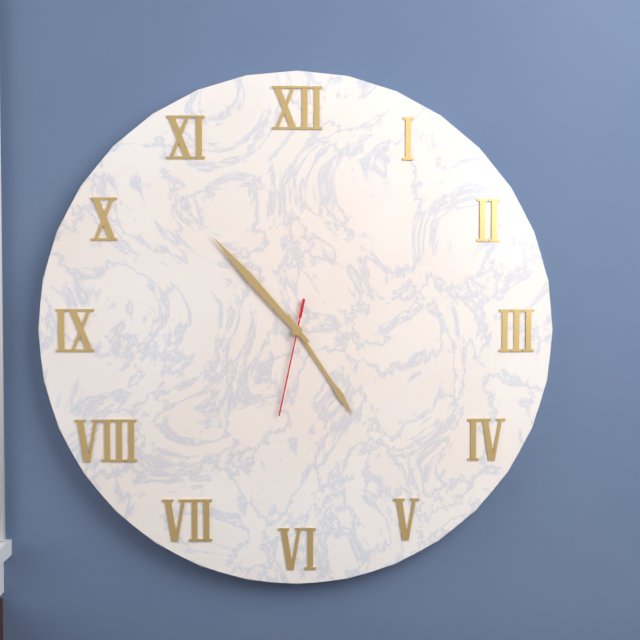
4:53:32
